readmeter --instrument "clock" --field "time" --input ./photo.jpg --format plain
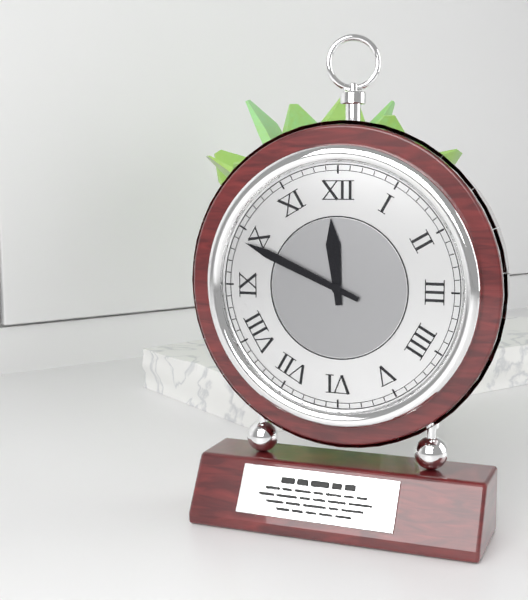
11:49
